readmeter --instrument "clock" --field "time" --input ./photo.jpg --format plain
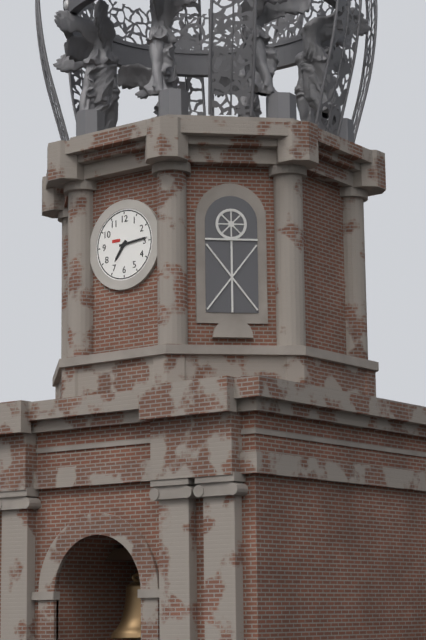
7:14
